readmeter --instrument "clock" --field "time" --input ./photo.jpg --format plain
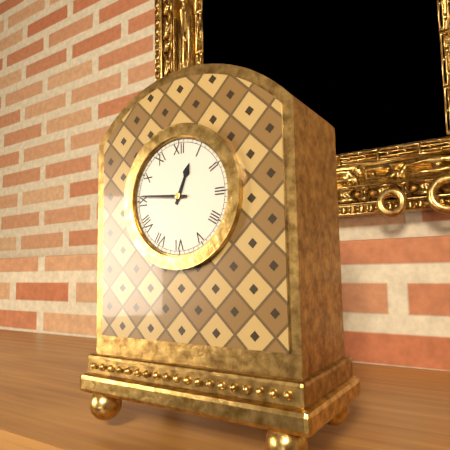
12:46
